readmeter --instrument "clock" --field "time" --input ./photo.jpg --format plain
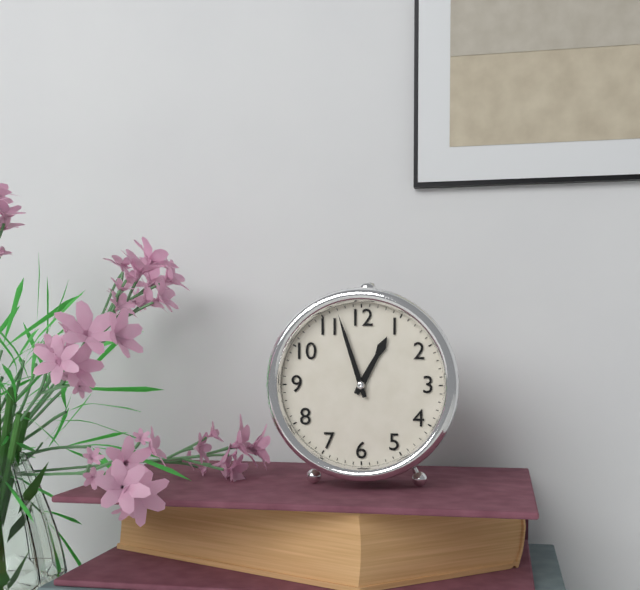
12:57
